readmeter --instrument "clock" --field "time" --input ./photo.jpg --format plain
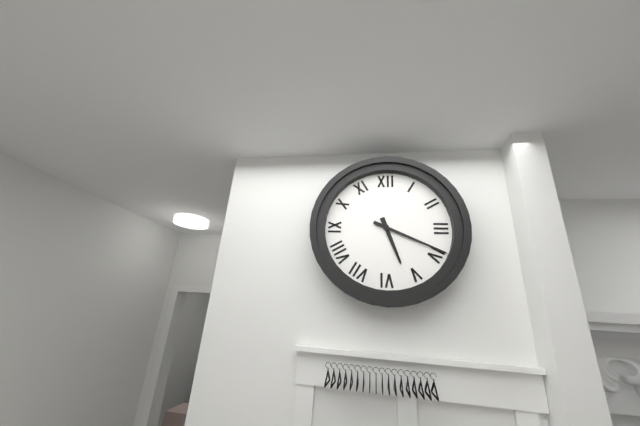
5:19
